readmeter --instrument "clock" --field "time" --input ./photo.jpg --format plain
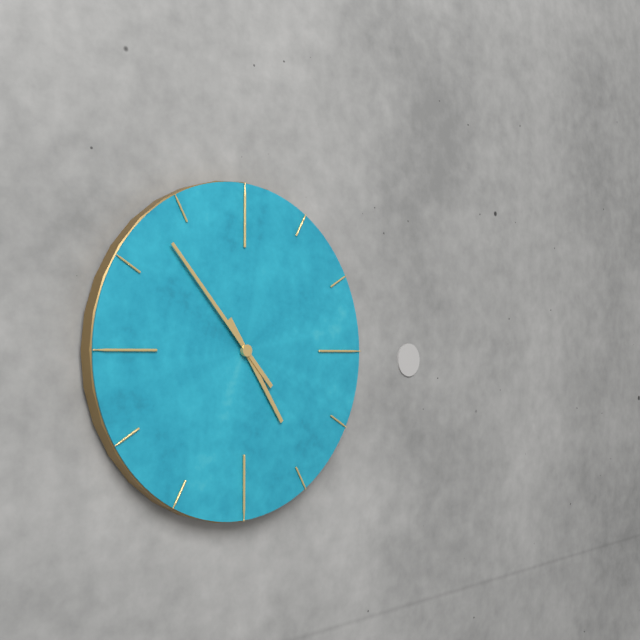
4:53
